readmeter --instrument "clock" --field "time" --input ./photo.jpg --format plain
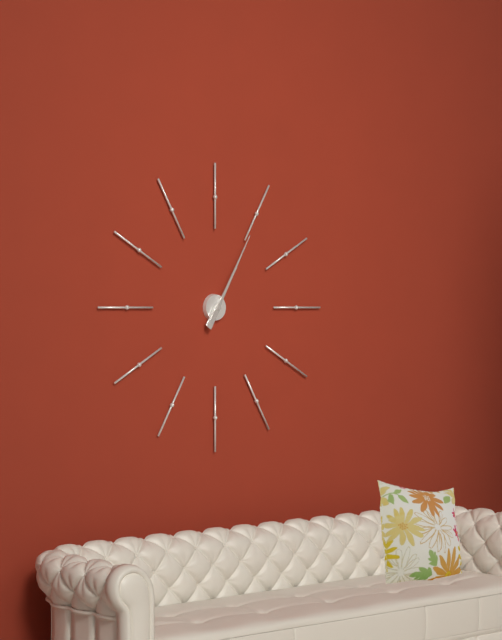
1:05
